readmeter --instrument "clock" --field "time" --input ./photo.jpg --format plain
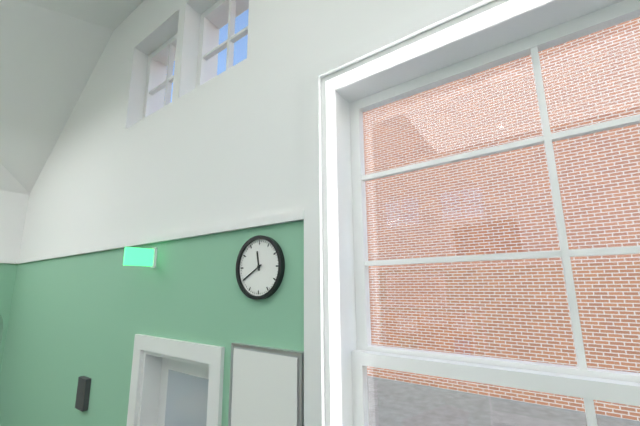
11:40
